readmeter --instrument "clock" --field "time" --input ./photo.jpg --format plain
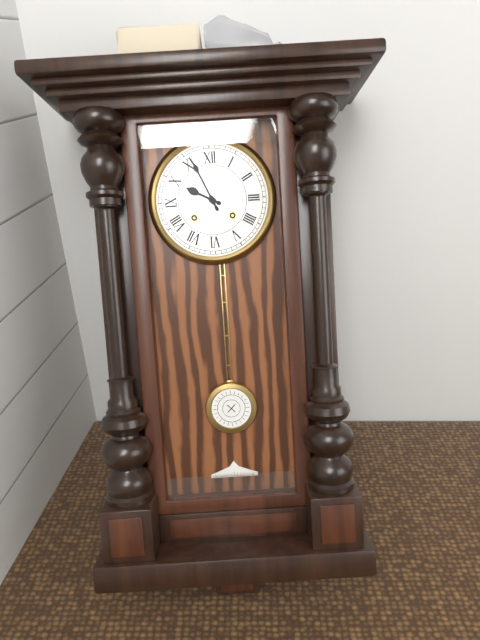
9:56
